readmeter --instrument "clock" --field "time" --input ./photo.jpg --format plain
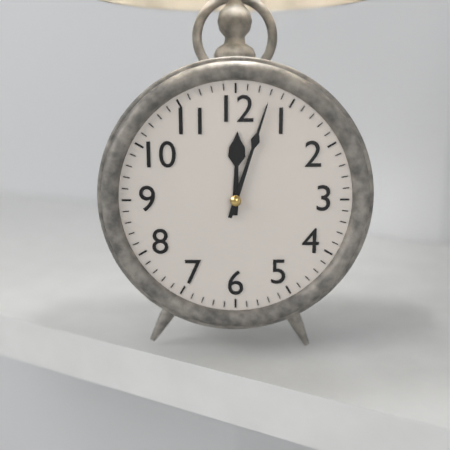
12:03
